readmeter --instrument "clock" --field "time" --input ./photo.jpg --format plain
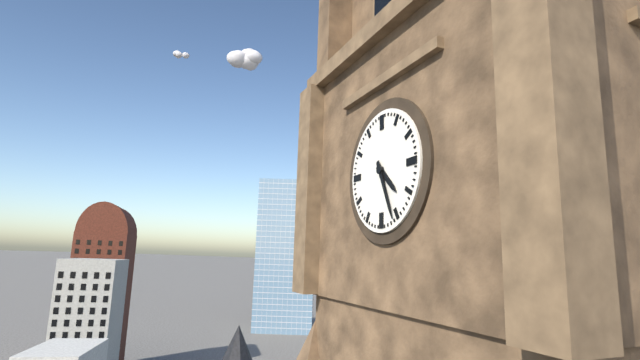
4:26
